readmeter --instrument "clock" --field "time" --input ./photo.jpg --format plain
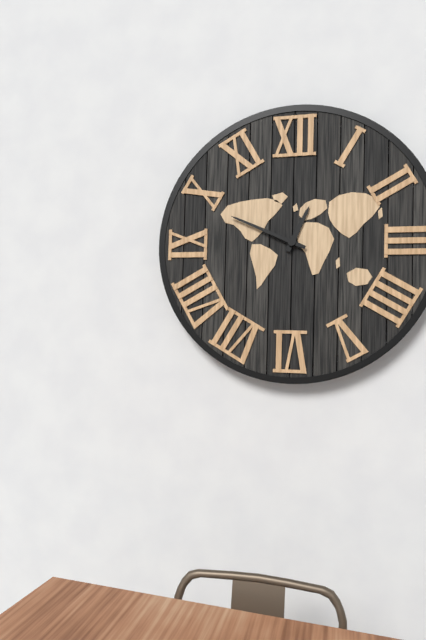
12:49
